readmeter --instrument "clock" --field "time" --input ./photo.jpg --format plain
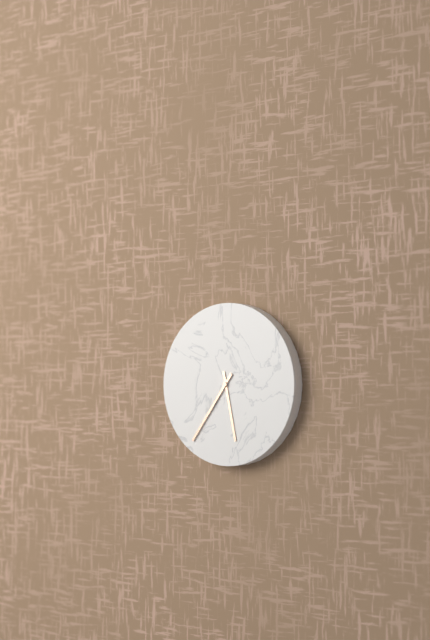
5:36
